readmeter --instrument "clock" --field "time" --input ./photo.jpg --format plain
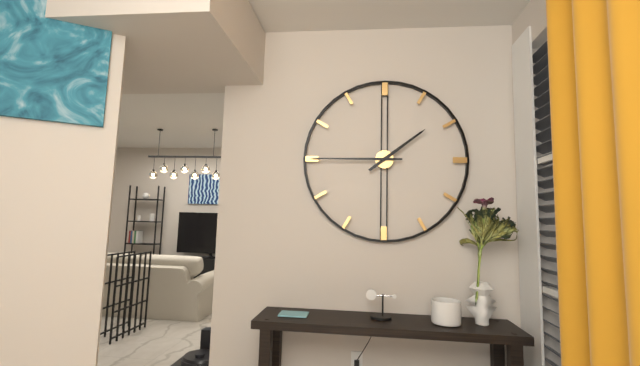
1:45
